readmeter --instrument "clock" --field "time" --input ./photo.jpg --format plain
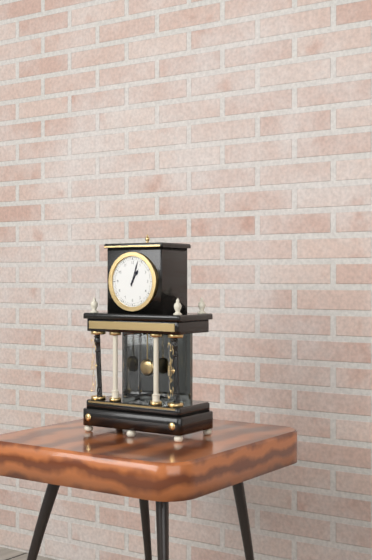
1:03
